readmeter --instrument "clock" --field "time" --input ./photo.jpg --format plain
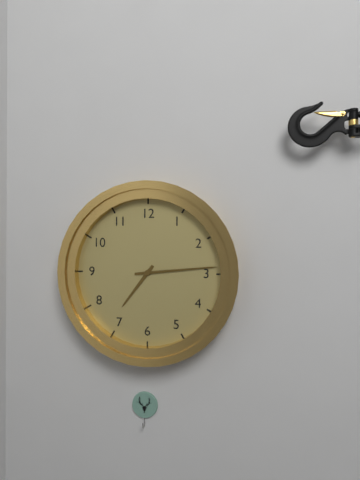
7:14
